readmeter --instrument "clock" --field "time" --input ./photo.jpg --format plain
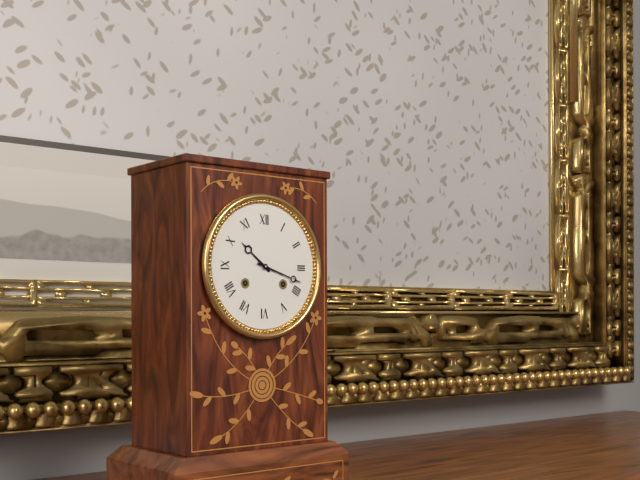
10:18
